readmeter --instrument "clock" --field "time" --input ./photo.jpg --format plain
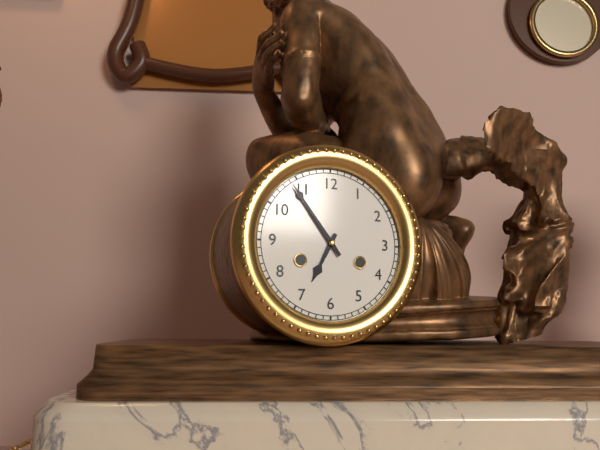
6:54
